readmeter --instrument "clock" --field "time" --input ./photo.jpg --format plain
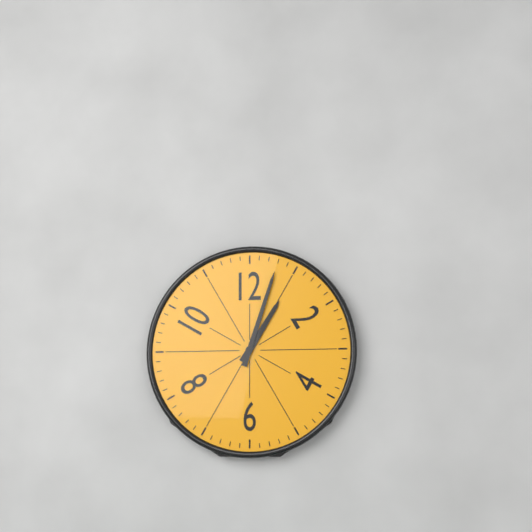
1:03
